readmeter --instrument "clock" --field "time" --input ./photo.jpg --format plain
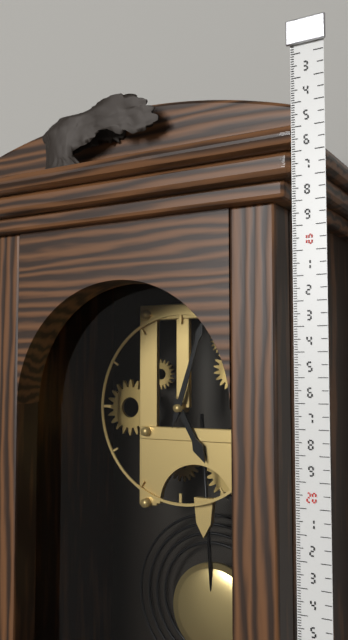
5:03
